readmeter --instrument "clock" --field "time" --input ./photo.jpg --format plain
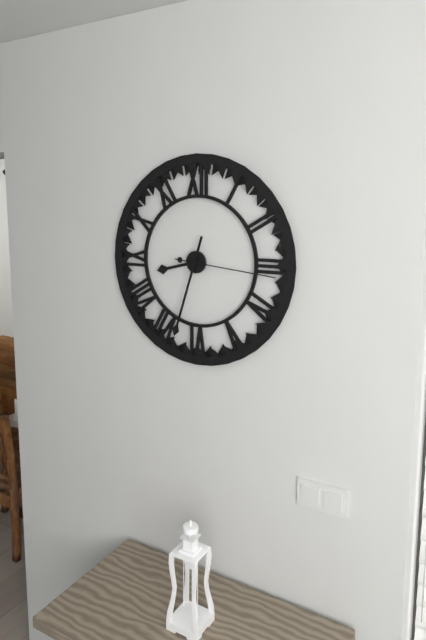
8:33:16
